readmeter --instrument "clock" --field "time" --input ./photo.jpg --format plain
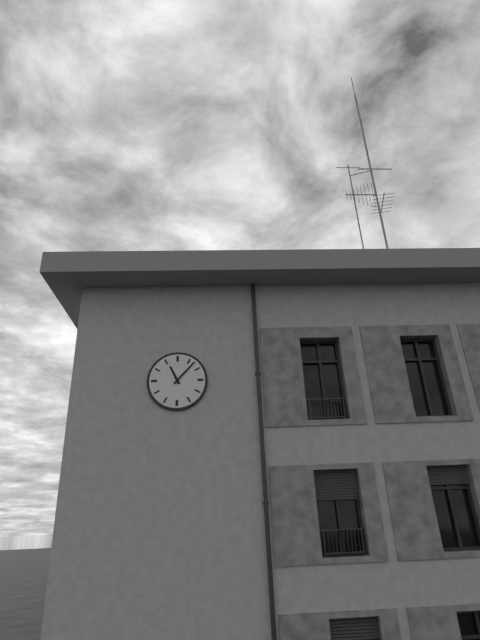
11:07
